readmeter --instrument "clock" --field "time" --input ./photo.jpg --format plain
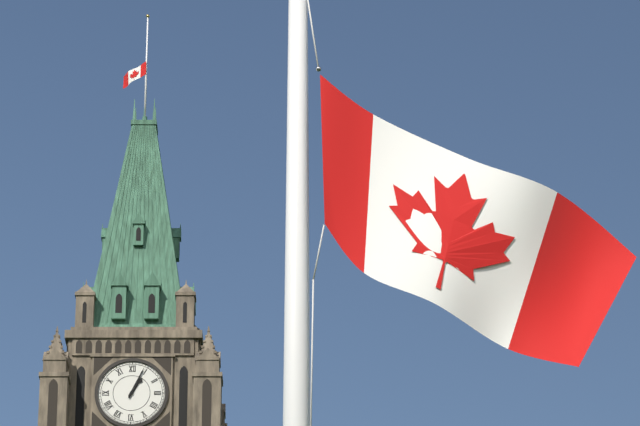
1:04
